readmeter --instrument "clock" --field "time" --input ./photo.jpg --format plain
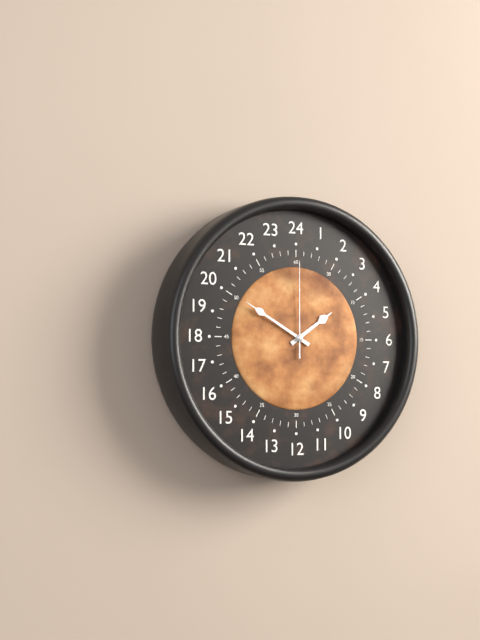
1:50:00
